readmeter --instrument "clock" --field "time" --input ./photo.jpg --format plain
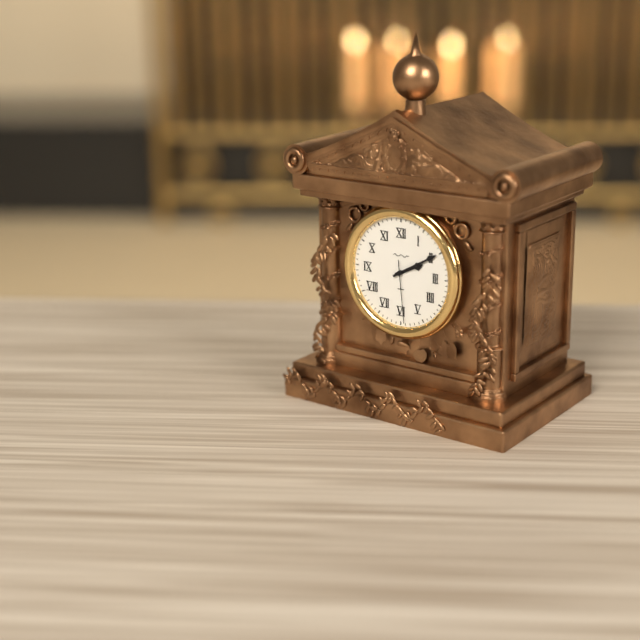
2:10:29
